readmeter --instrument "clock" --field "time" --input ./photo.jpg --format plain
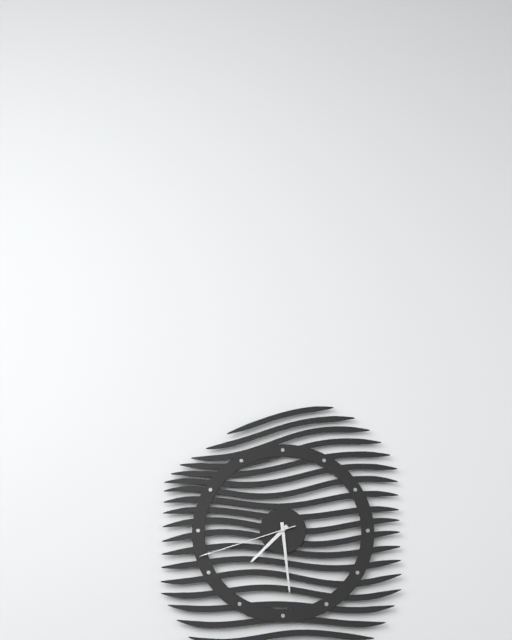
7:29:42
